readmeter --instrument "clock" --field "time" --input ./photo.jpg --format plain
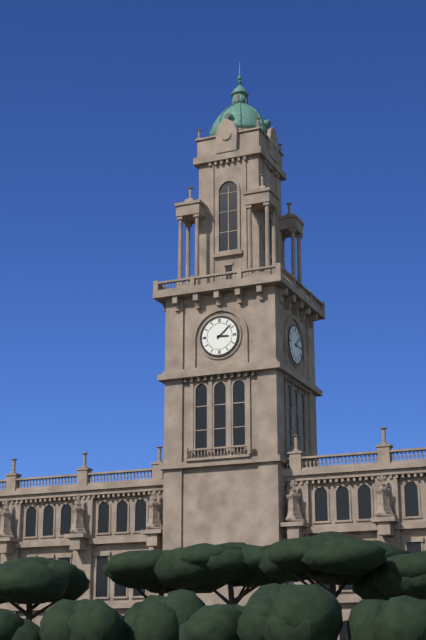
3:08
